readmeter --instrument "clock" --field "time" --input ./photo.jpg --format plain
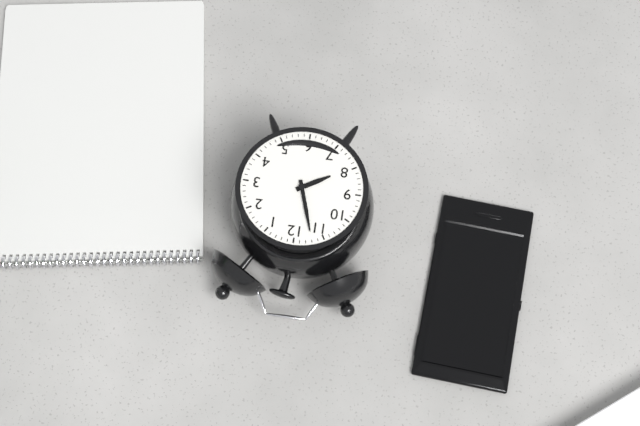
7:57
